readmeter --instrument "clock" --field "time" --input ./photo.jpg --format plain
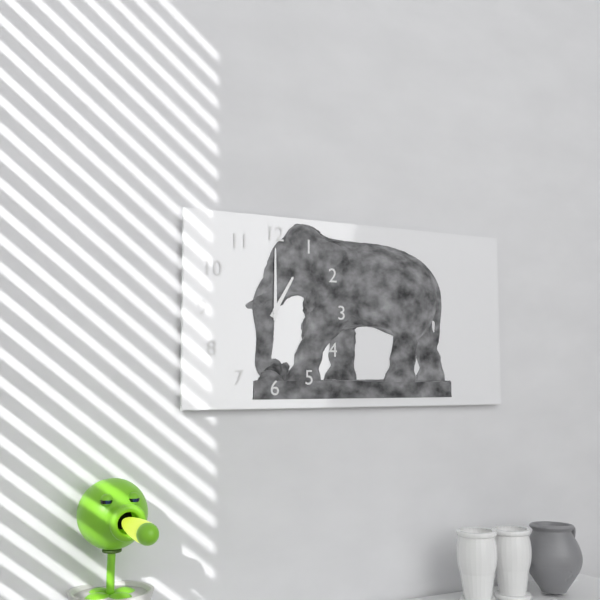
1:00
